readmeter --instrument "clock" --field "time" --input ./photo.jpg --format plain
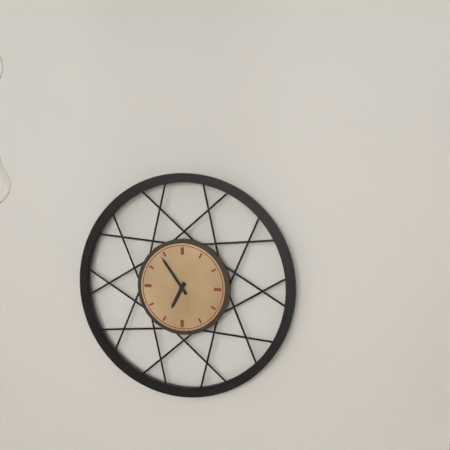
6:54
